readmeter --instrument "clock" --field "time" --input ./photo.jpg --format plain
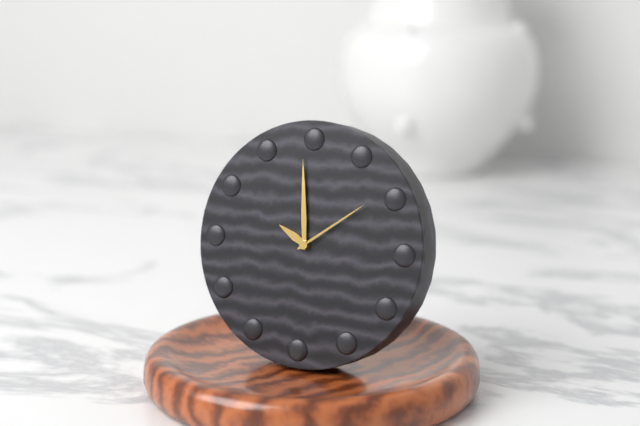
9:59:09
